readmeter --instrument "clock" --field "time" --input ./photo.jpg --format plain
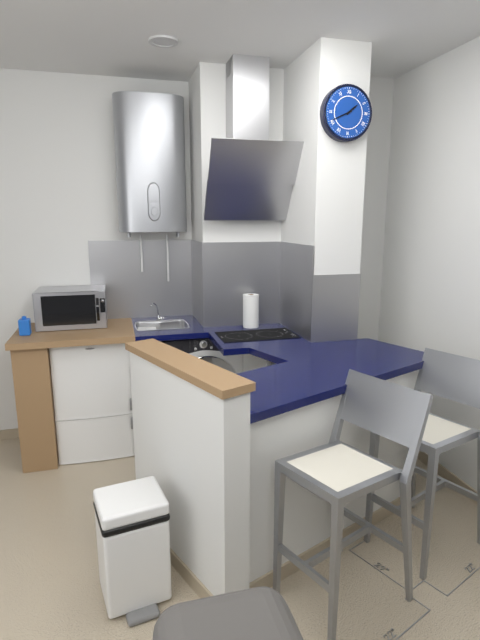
1:41
